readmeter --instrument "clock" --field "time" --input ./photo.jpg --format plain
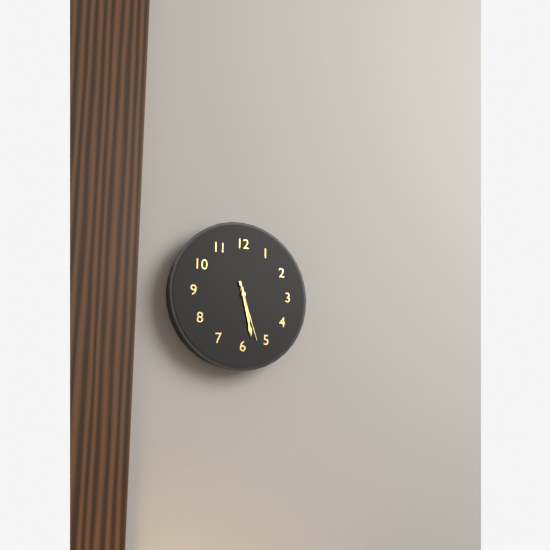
5:28:27
